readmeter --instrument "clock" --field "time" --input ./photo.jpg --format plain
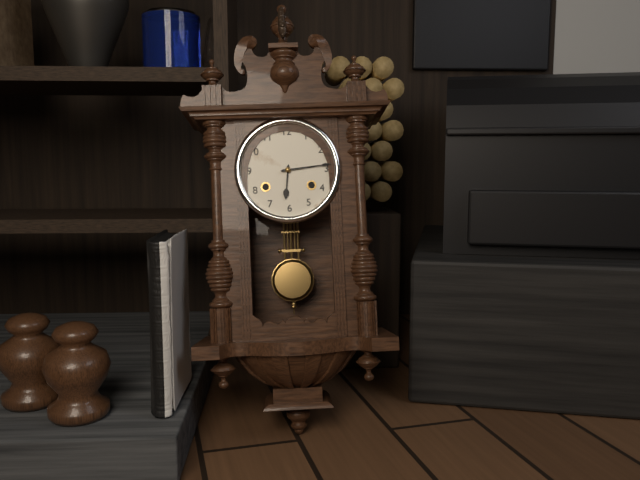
6:14
